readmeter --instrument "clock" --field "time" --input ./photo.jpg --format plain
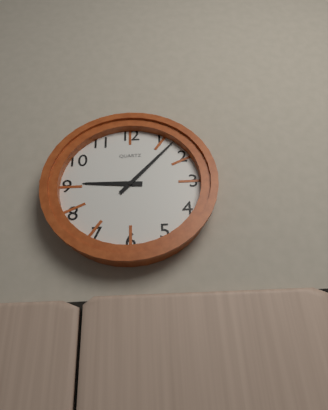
9:07
